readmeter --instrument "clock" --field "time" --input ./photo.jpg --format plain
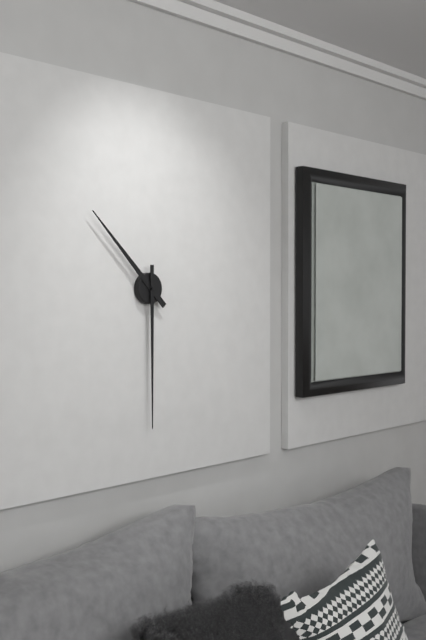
10:30
